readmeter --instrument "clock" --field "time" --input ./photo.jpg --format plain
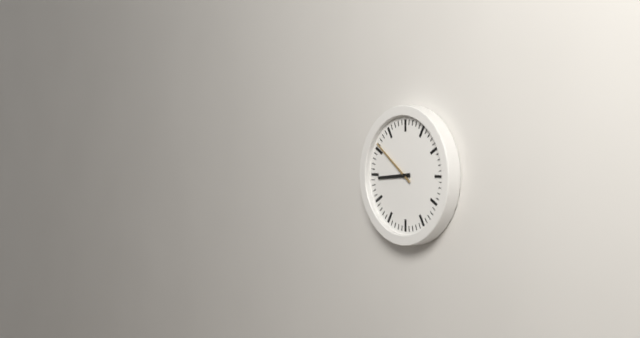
8:51
